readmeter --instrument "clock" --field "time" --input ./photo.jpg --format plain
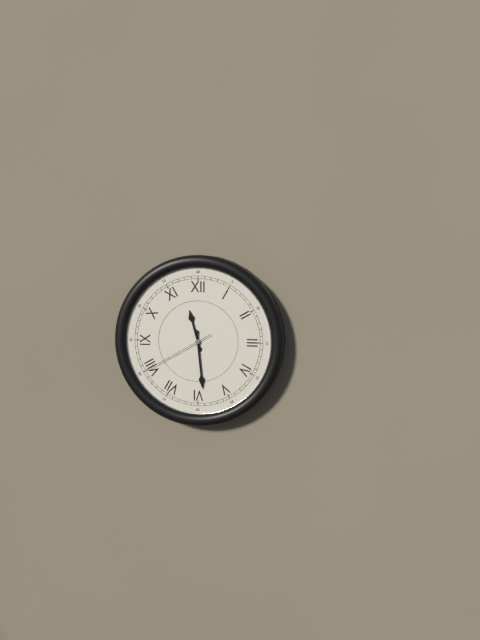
11:29:40
